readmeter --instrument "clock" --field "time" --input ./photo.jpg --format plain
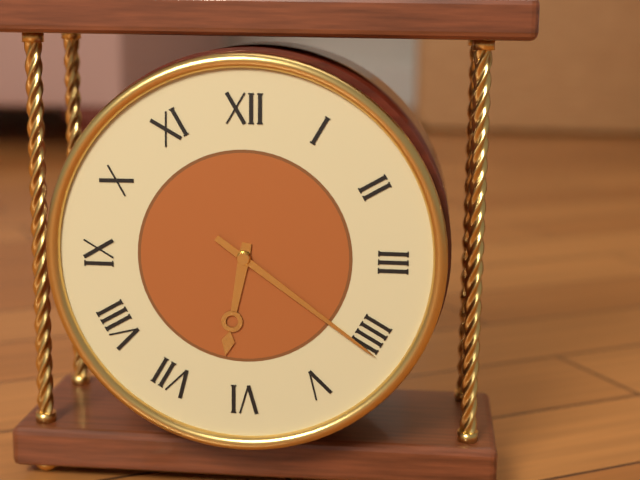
6:21
